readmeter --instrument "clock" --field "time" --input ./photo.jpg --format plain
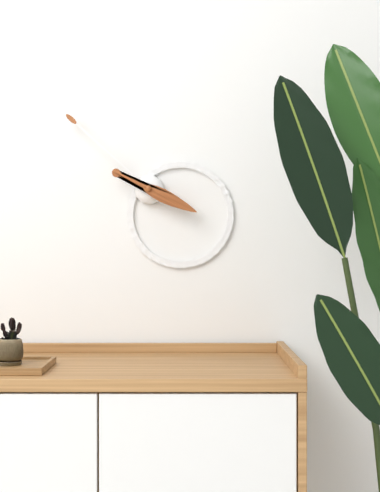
3:52
